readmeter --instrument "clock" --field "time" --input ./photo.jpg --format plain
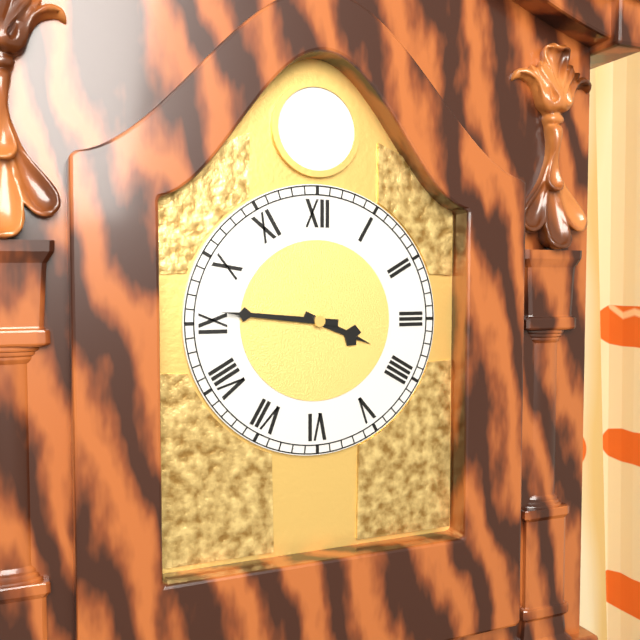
3:46
